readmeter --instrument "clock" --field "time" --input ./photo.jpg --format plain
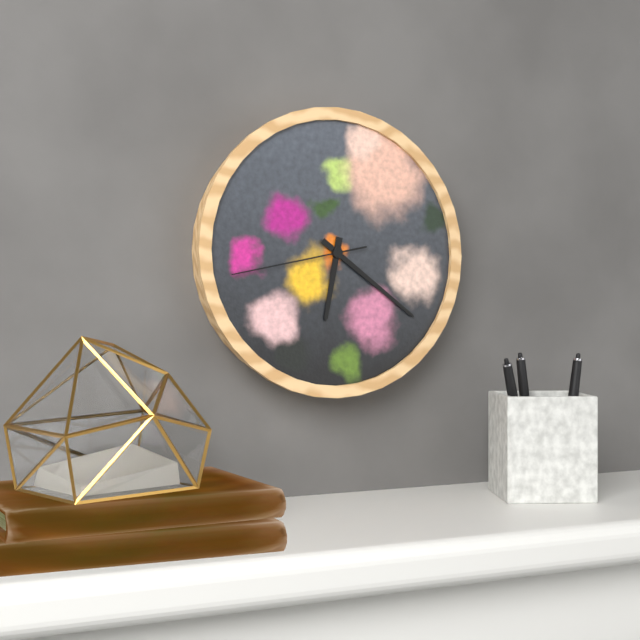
6:21:43
